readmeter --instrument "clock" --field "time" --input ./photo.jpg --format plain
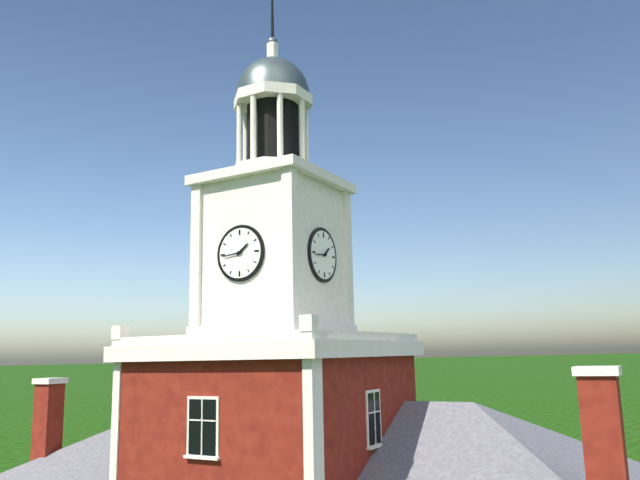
1:44
